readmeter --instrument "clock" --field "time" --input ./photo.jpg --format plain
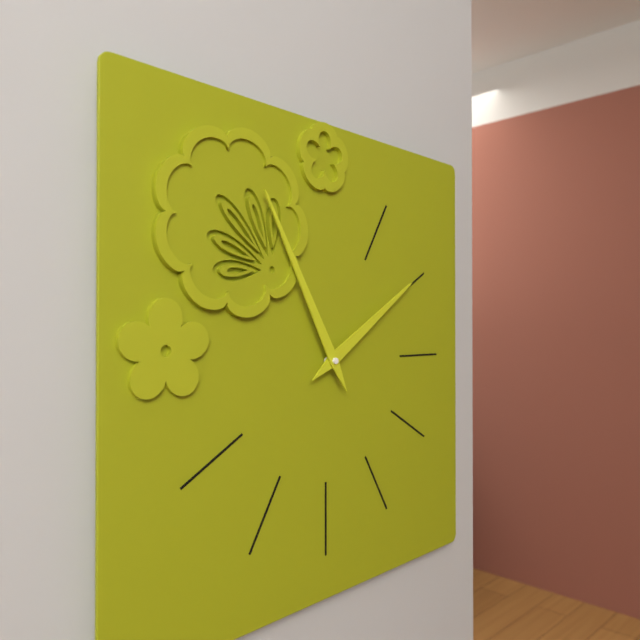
1:55
